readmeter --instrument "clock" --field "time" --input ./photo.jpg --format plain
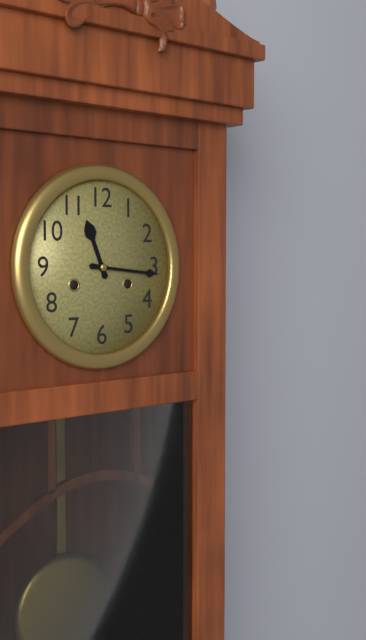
11:16
